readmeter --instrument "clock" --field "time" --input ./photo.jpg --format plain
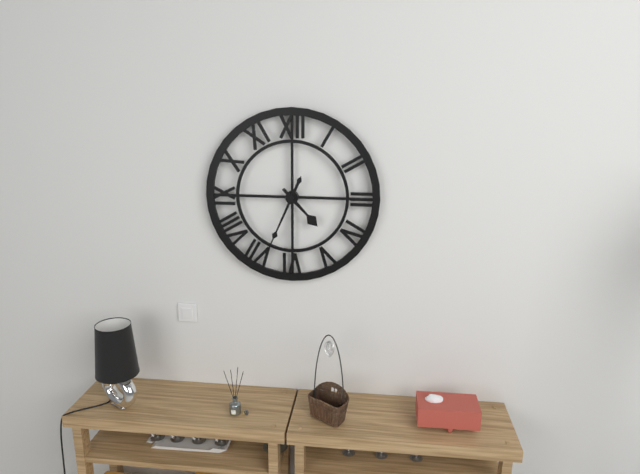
4:34
